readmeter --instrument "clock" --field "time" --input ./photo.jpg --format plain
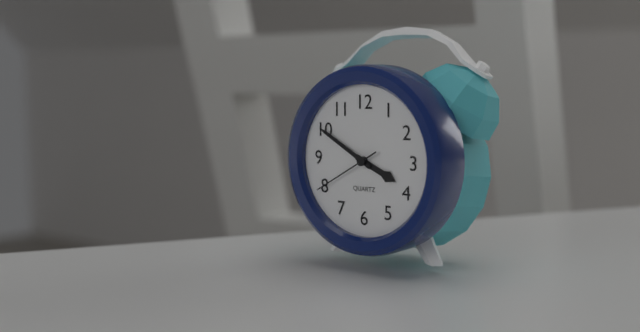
3:50:40
